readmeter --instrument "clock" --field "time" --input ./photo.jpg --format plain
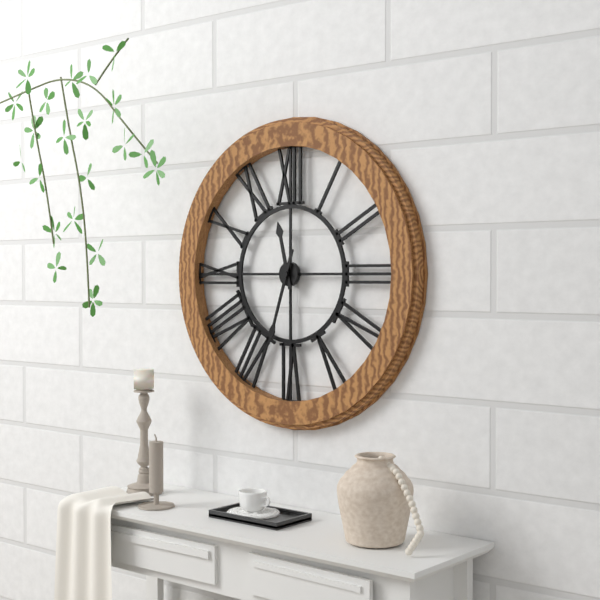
11:33
